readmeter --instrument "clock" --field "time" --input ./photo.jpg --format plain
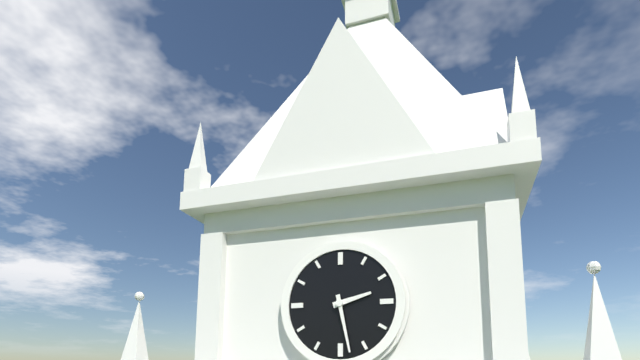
2:28
